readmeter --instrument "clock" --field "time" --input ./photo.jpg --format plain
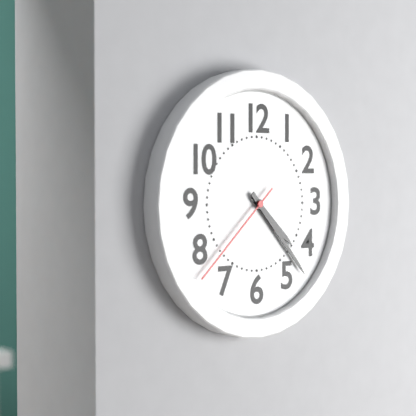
4:23:38
